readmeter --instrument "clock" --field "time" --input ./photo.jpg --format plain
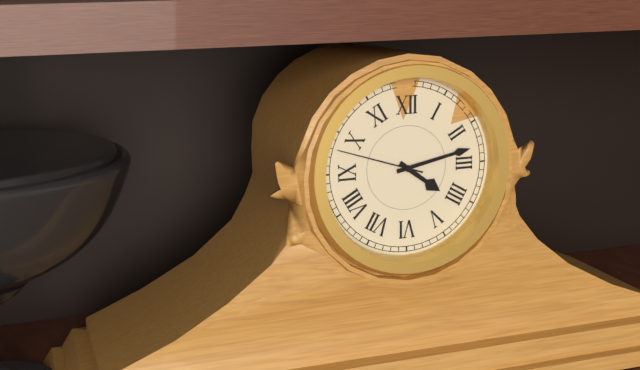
4:13:48
